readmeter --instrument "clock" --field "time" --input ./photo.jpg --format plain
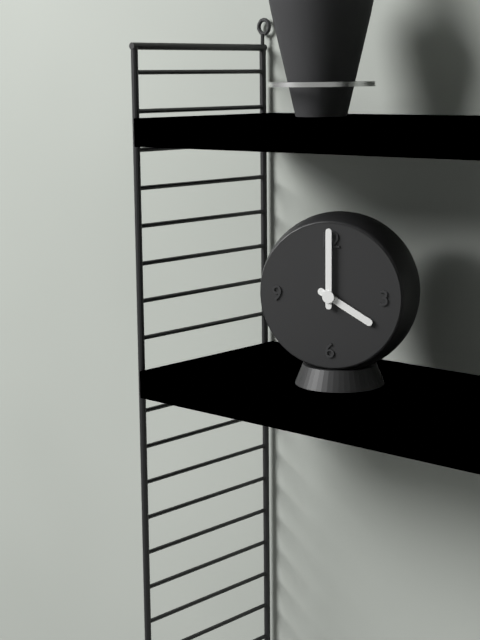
4:00
